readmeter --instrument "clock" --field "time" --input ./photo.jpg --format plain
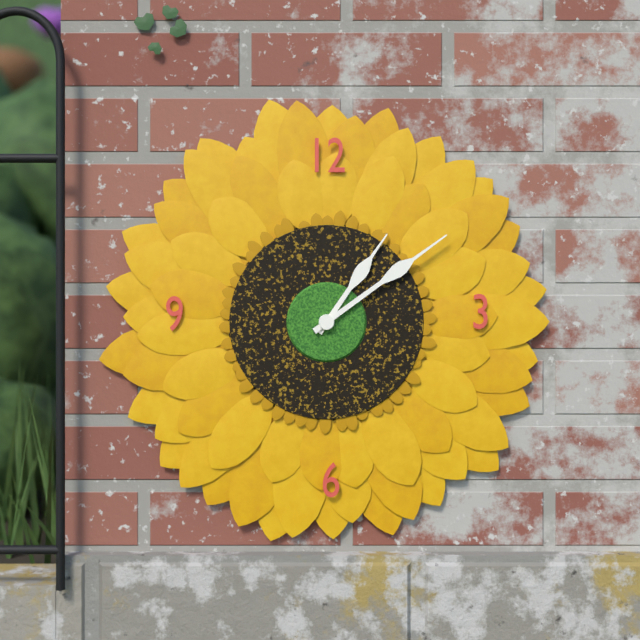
1:09
